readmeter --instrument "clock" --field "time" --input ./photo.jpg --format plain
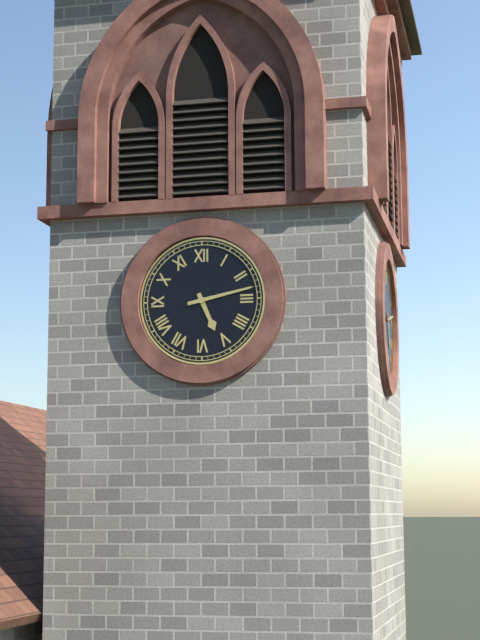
5:13
